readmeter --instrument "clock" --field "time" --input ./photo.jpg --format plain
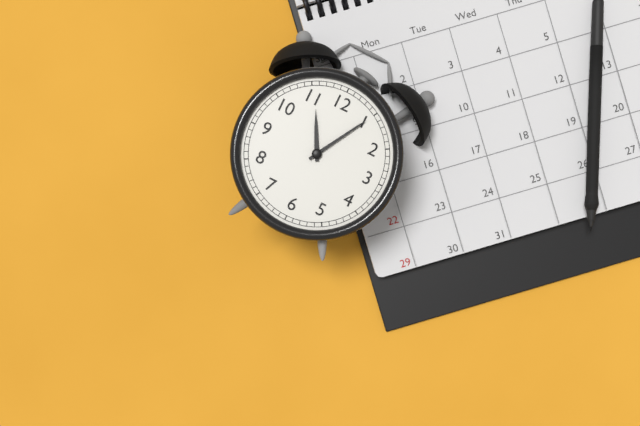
11:05
